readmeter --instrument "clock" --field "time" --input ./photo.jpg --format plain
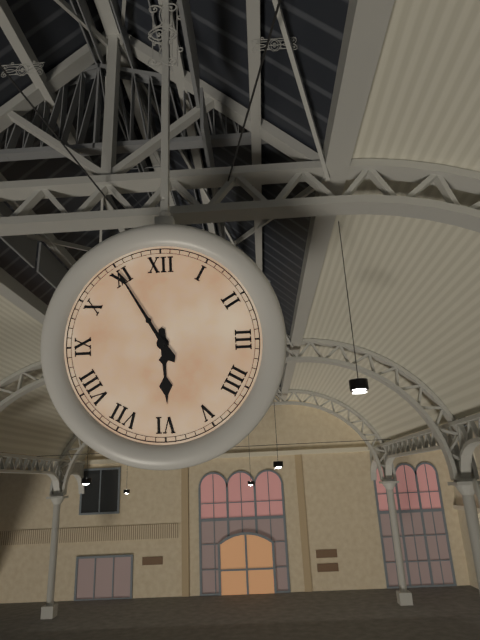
5:55
